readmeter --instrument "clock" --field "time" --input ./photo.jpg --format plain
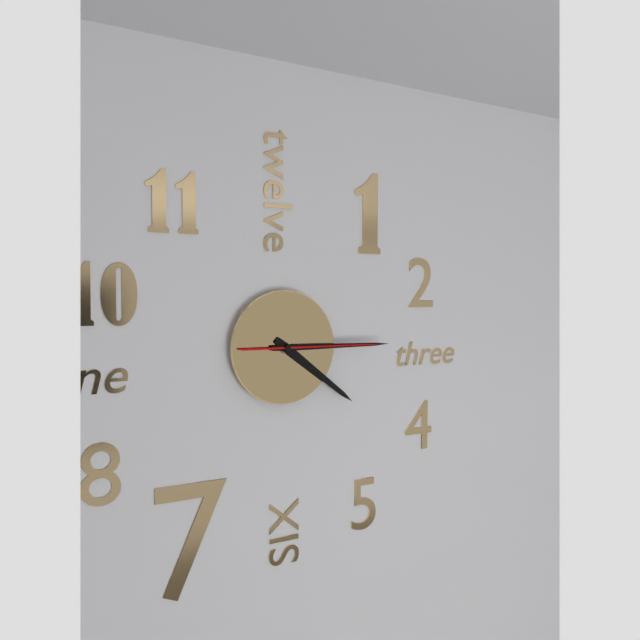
4:15:15
